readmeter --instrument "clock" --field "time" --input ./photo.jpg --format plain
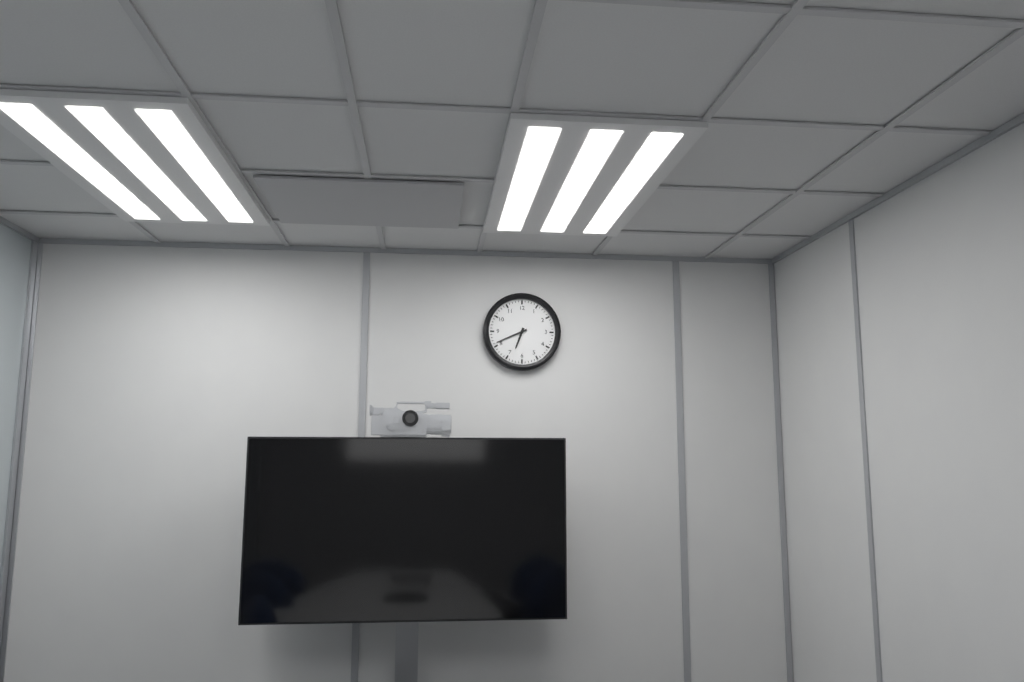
6:41
